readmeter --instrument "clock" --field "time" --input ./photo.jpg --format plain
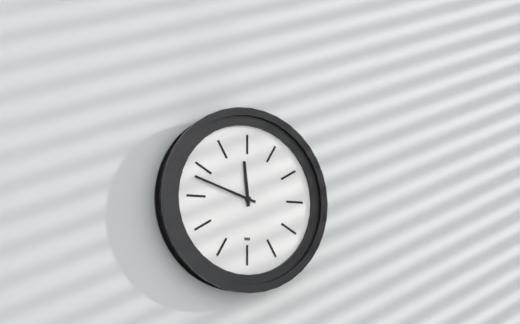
11:48
